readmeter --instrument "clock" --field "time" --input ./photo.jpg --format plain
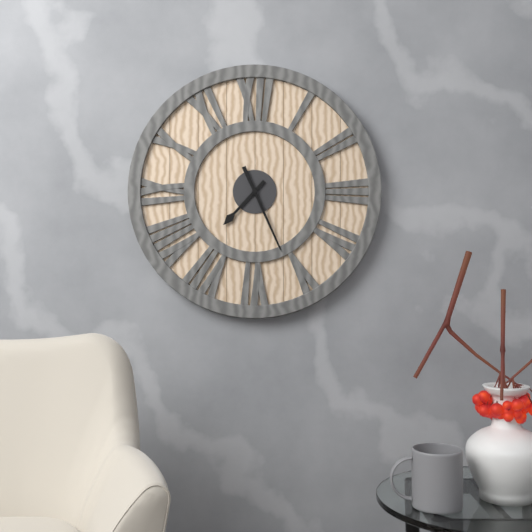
7:26
